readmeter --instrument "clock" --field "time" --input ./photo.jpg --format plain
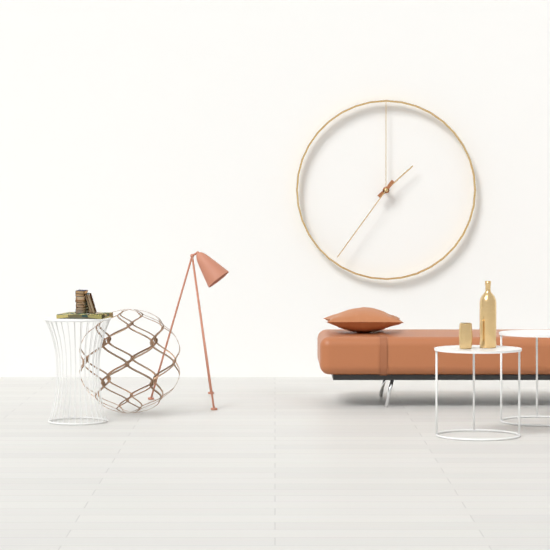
1:36
